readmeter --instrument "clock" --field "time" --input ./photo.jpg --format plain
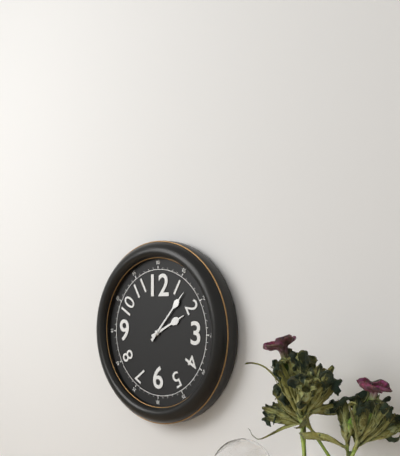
2:07
